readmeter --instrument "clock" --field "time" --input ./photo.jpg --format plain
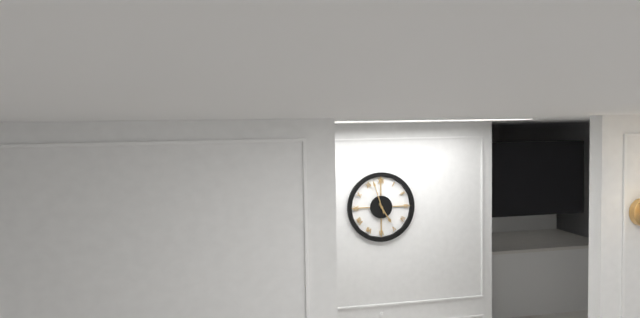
4:57
